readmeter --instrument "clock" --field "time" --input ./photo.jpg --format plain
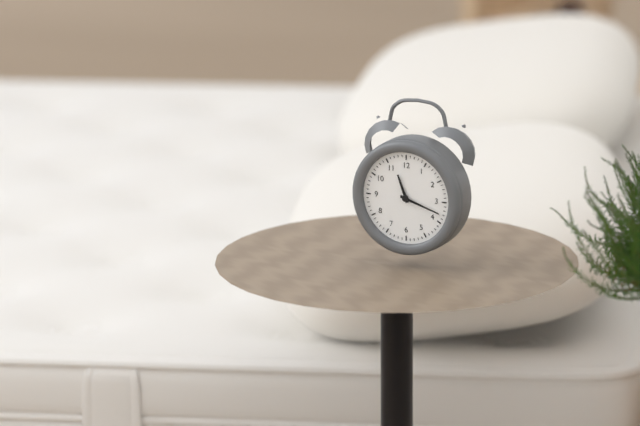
11:18
